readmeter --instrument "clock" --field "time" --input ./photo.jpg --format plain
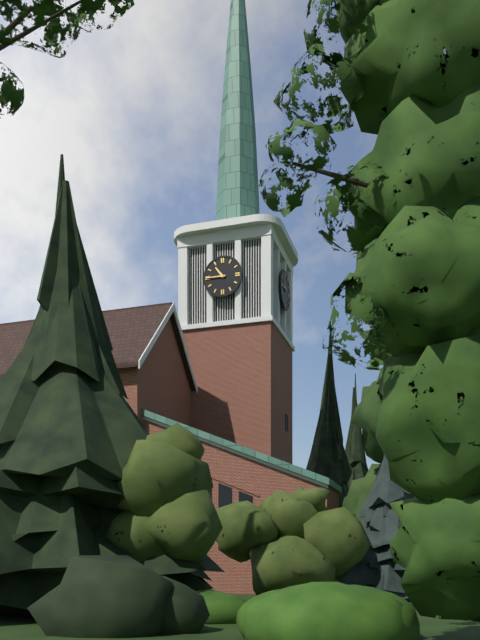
10:45
